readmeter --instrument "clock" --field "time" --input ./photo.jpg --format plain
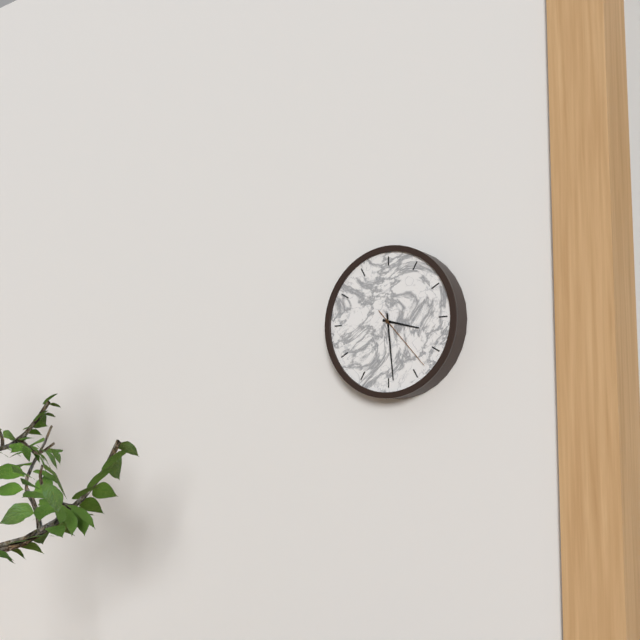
3:29:23
